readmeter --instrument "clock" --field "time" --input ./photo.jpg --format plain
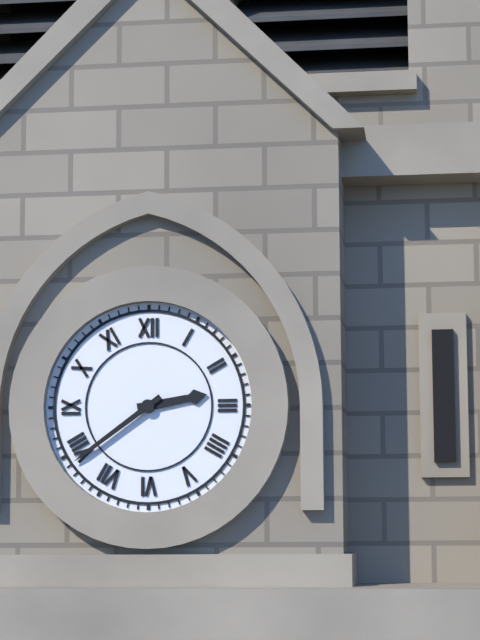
2:39
